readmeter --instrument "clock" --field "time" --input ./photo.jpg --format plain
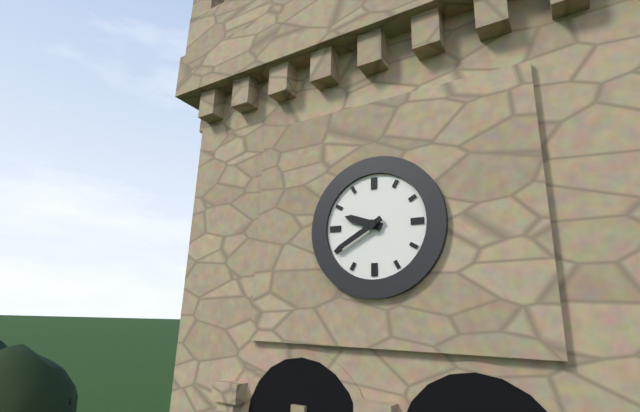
9:40
